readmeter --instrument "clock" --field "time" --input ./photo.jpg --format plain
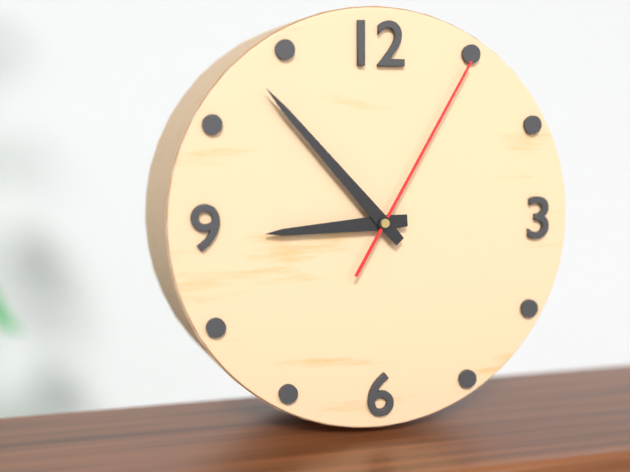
8:53:05
